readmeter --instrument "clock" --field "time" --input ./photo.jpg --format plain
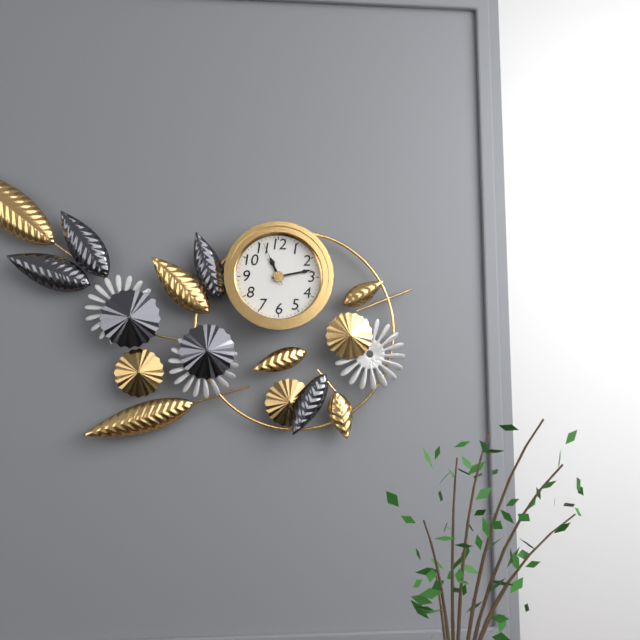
11:13
